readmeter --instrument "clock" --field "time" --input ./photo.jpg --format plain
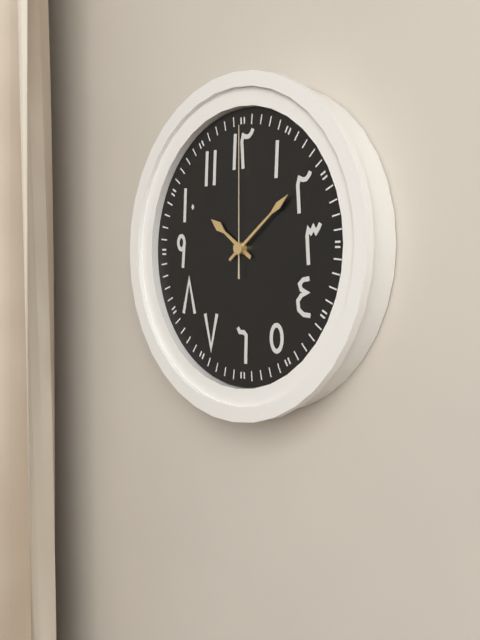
10:09:00
